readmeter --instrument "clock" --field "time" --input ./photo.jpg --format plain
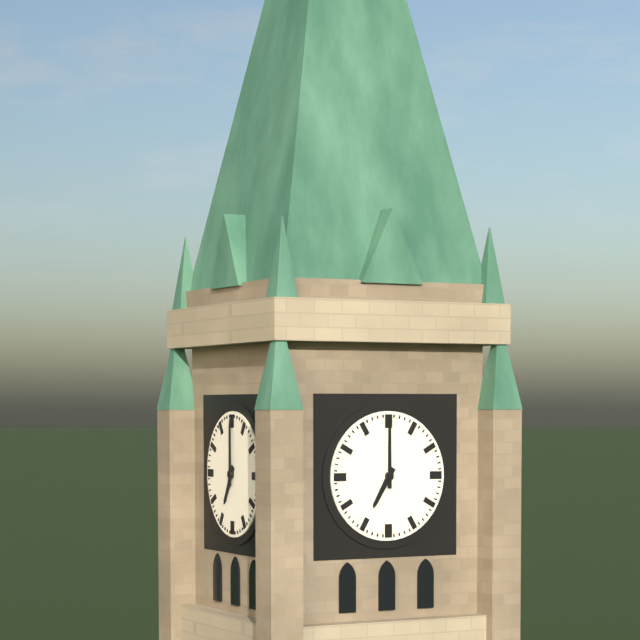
7:00
